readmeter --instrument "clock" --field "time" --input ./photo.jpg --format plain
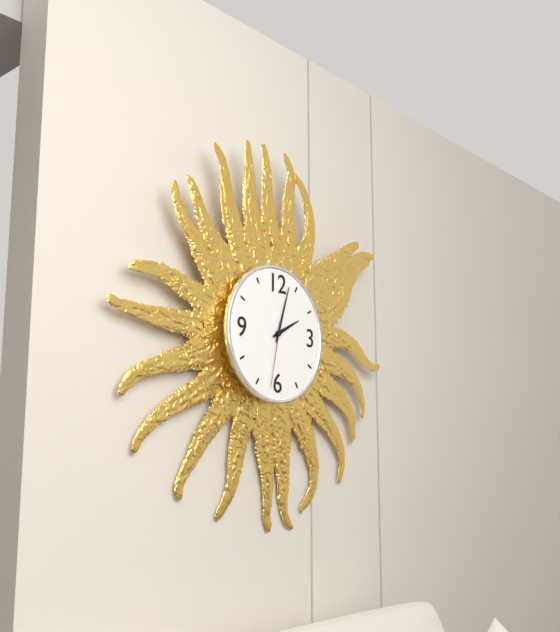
2:03:32
